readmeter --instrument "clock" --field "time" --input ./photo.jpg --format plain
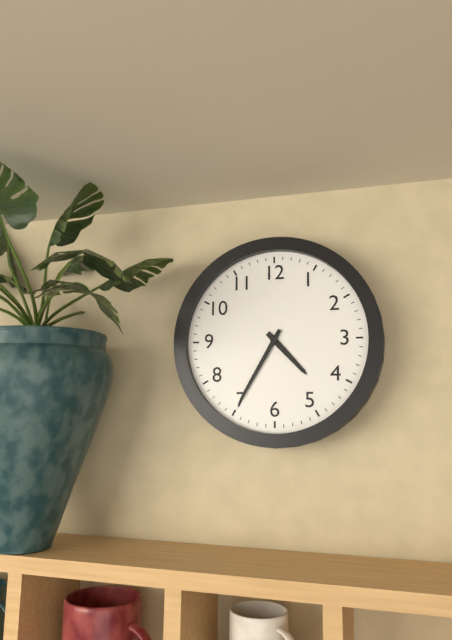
4:35
